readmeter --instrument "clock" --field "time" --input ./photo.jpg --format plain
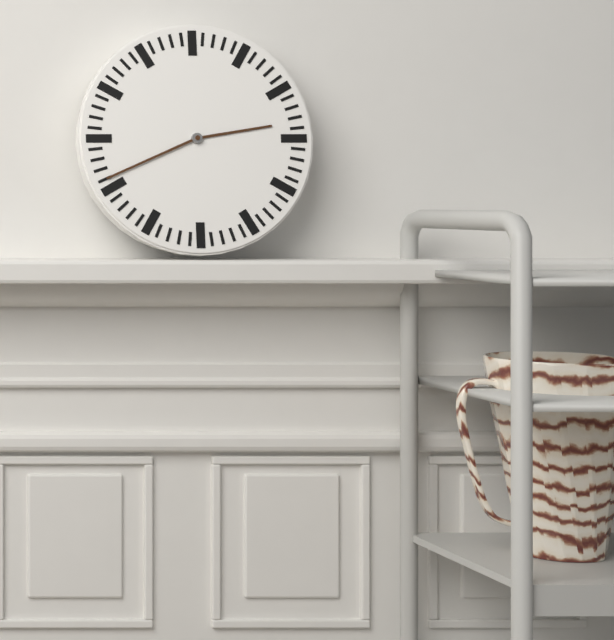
2:41
